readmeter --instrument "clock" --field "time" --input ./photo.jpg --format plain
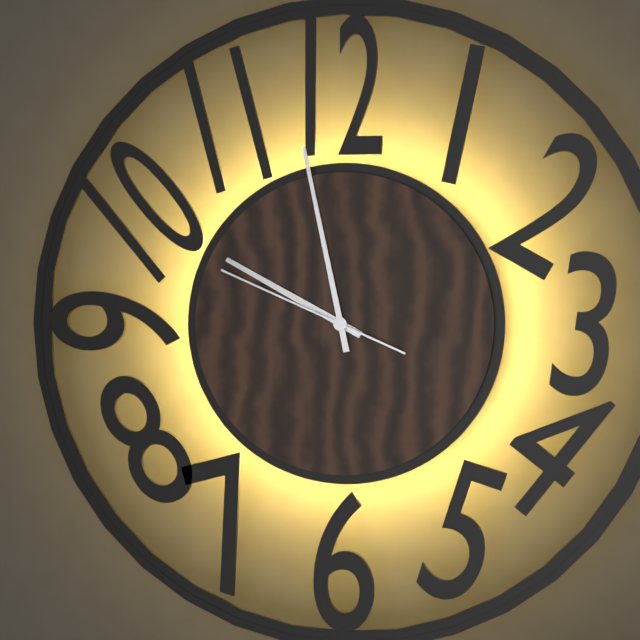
9:58:49
